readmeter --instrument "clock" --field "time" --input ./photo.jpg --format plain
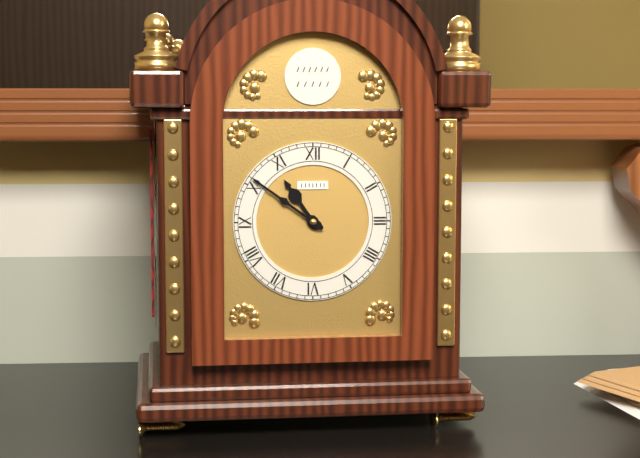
10:51
